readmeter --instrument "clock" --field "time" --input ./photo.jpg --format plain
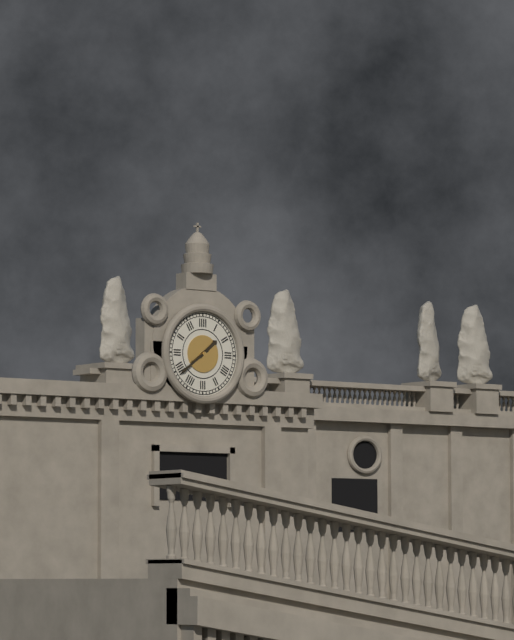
1:39
